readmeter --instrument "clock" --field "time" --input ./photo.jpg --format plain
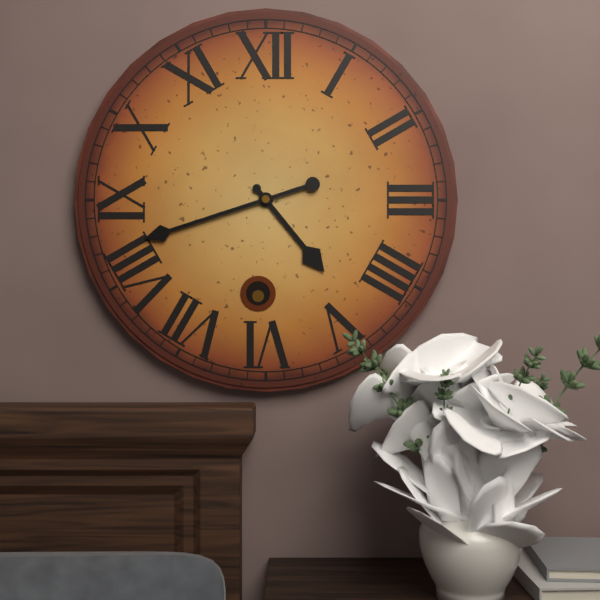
4:42
